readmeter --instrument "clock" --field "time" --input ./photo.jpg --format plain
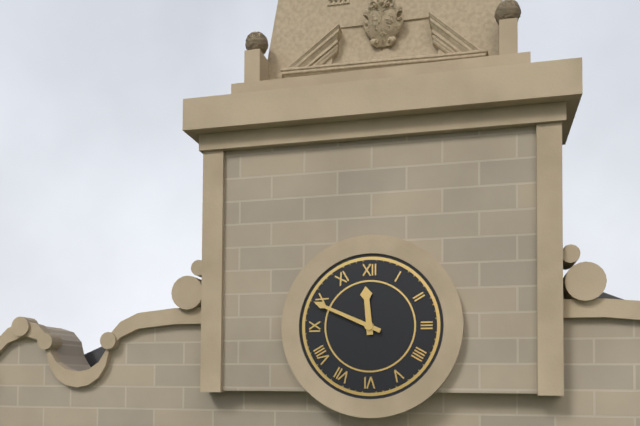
11:49
